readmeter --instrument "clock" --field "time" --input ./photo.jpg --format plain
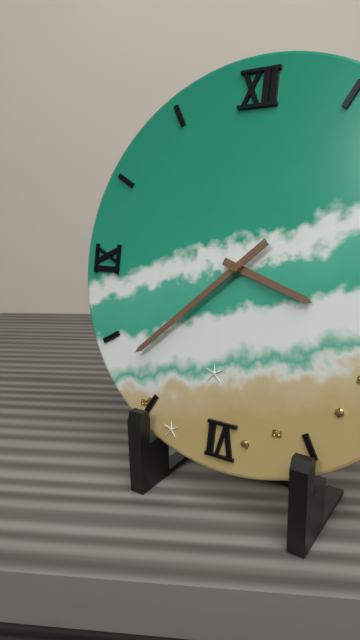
3:38
